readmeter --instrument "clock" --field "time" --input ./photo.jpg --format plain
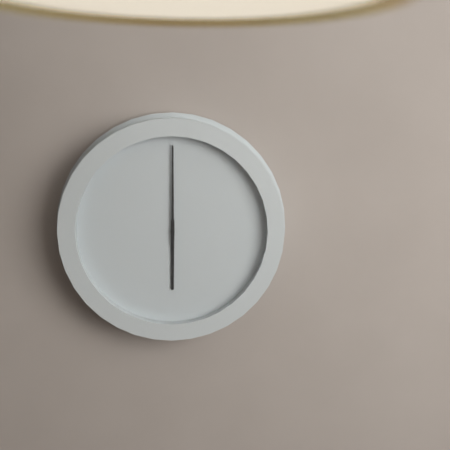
6:00
